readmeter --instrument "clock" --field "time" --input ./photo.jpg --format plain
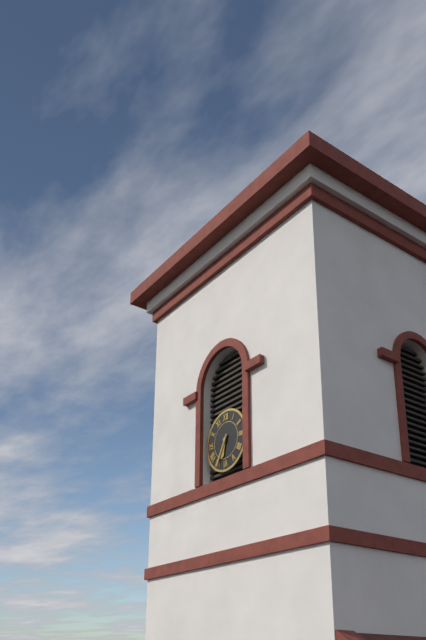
6:35
